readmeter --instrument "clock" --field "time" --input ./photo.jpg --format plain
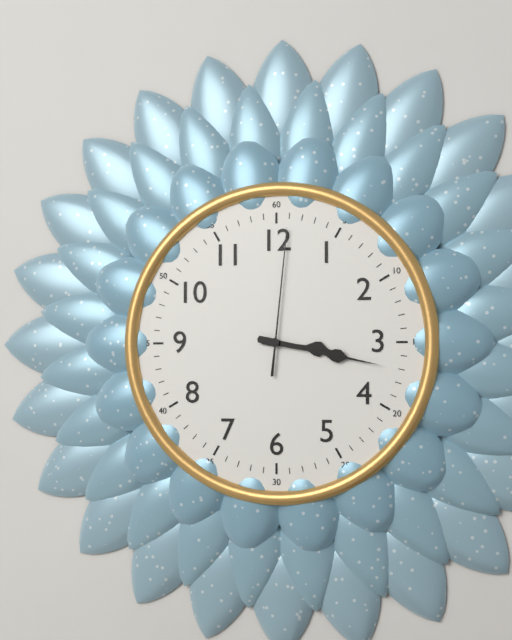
3:17:01
